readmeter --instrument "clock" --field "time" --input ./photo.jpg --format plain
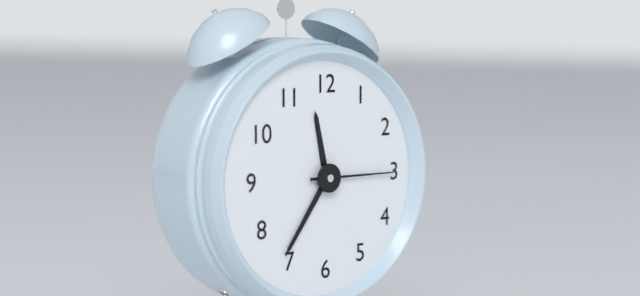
11:36:15
